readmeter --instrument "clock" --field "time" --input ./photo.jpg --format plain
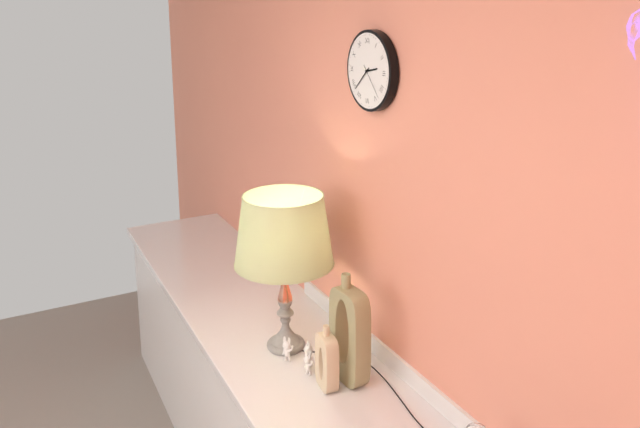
2:38
